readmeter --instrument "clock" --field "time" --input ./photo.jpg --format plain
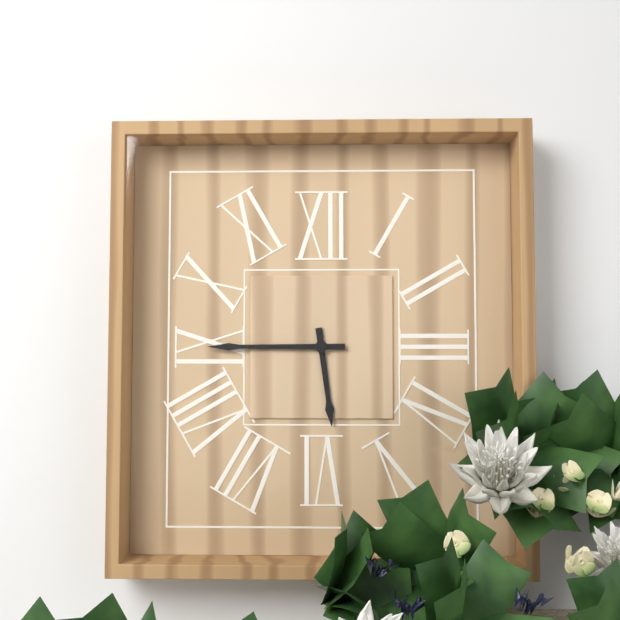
5:45
